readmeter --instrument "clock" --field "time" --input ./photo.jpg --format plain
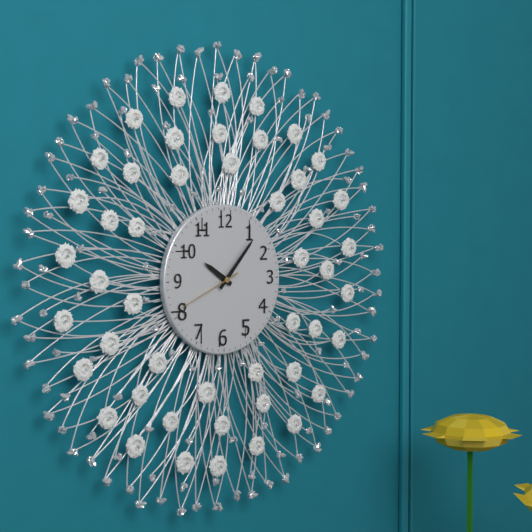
10:07:41
